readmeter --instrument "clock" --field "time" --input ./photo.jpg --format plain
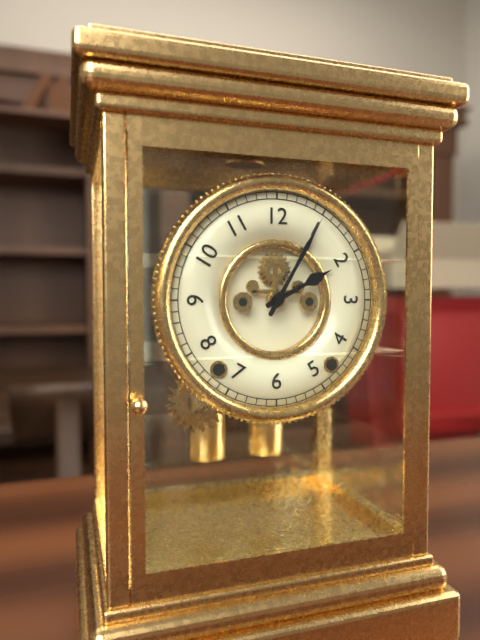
2:05
